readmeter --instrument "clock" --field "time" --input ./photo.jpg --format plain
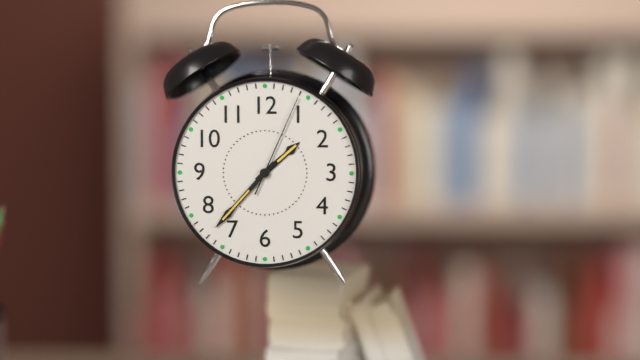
1:37:04
